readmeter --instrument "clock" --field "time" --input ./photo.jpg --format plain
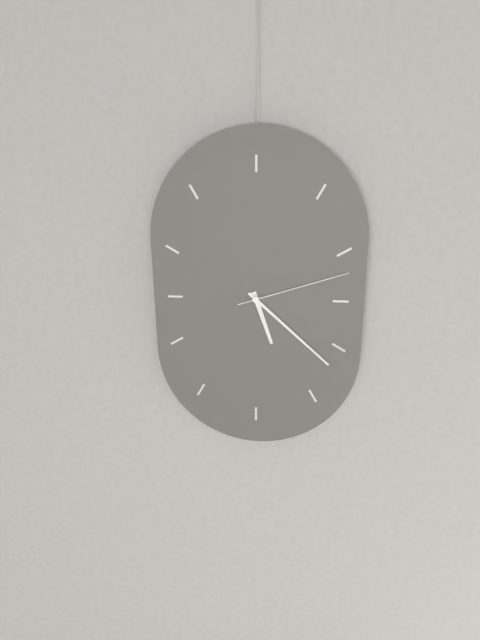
5:22:12
